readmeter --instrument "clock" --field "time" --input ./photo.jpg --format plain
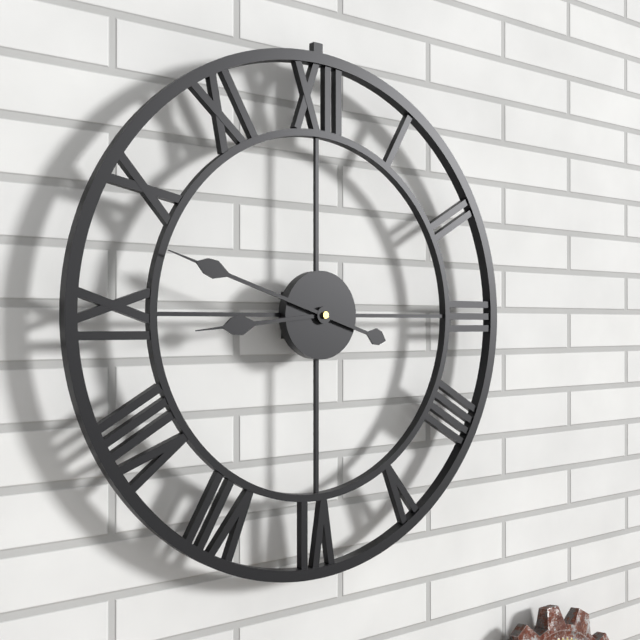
8:48
